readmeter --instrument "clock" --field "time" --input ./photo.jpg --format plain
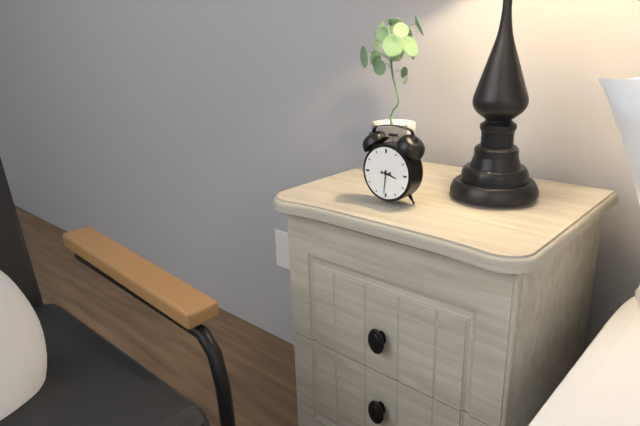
3:31
